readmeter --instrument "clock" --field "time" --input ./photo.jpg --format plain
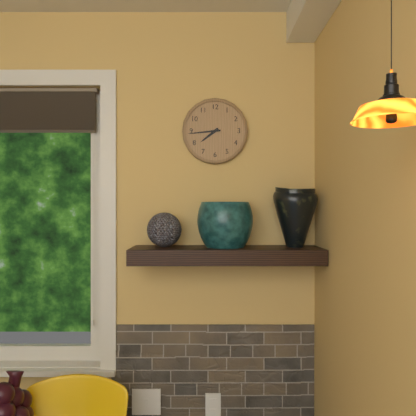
7:44
